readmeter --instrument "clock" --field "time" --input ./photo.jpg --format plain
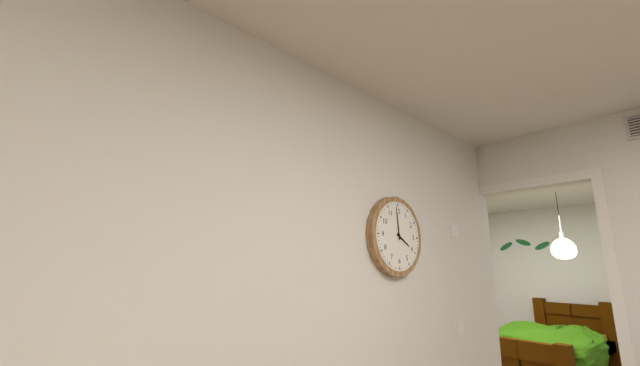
3:59
